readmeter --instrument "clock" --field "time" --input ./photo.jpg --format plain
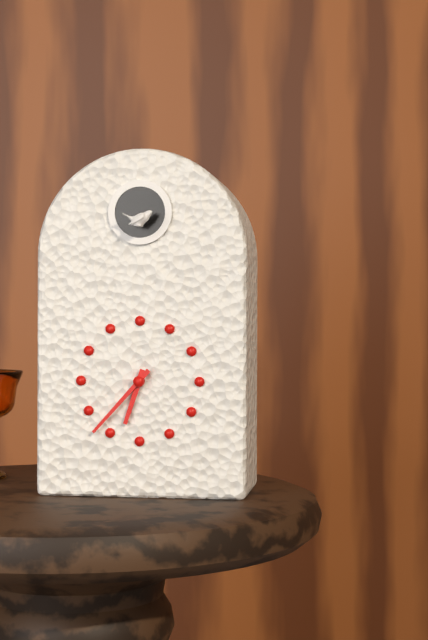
6:37
